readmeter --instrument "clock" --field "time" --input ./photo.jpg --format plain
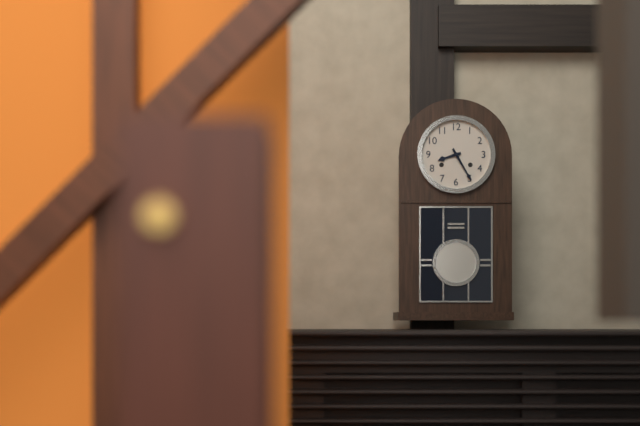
8:25
